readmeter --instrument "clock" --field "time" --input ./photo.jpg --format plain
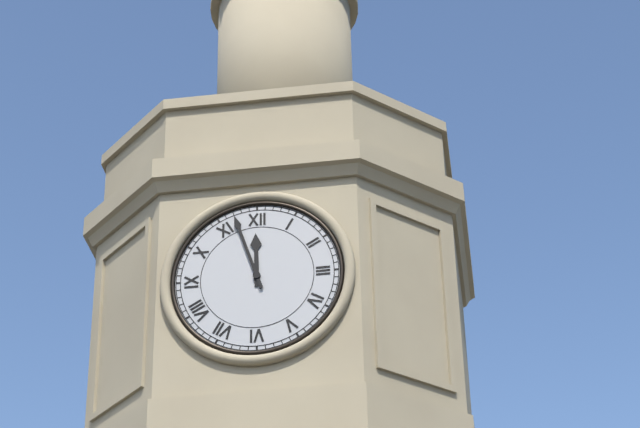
11:57
